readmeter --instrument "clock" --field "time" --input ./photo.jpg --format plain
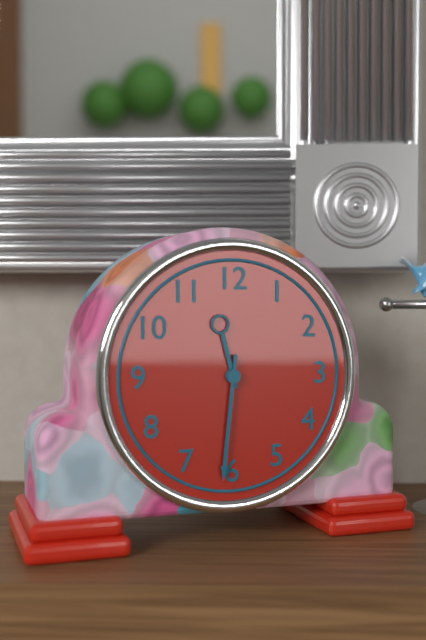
11:31
